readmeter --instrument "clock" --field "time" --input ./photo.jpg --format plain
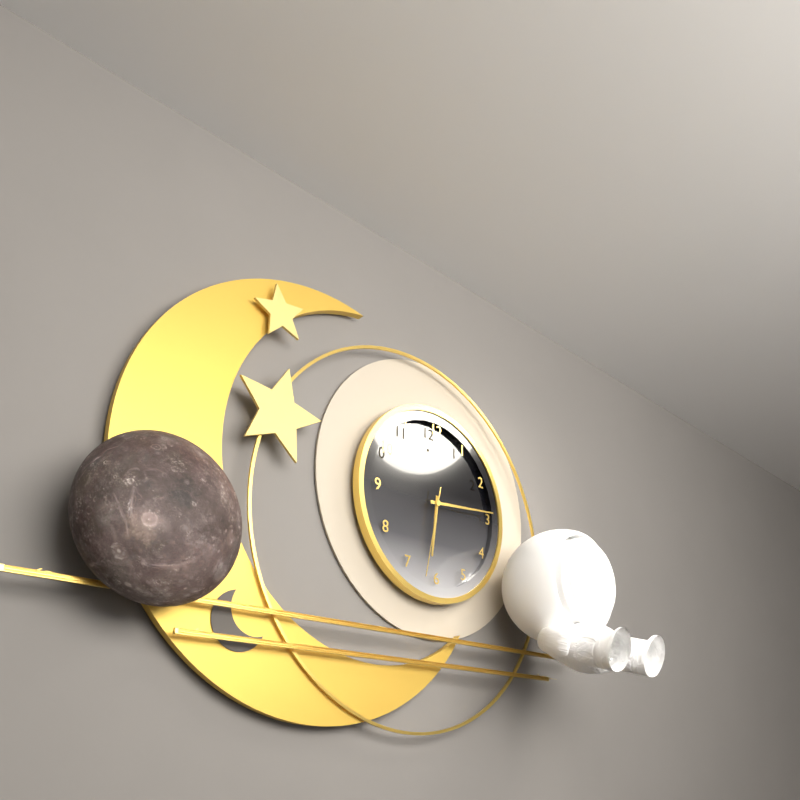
6:14:32
